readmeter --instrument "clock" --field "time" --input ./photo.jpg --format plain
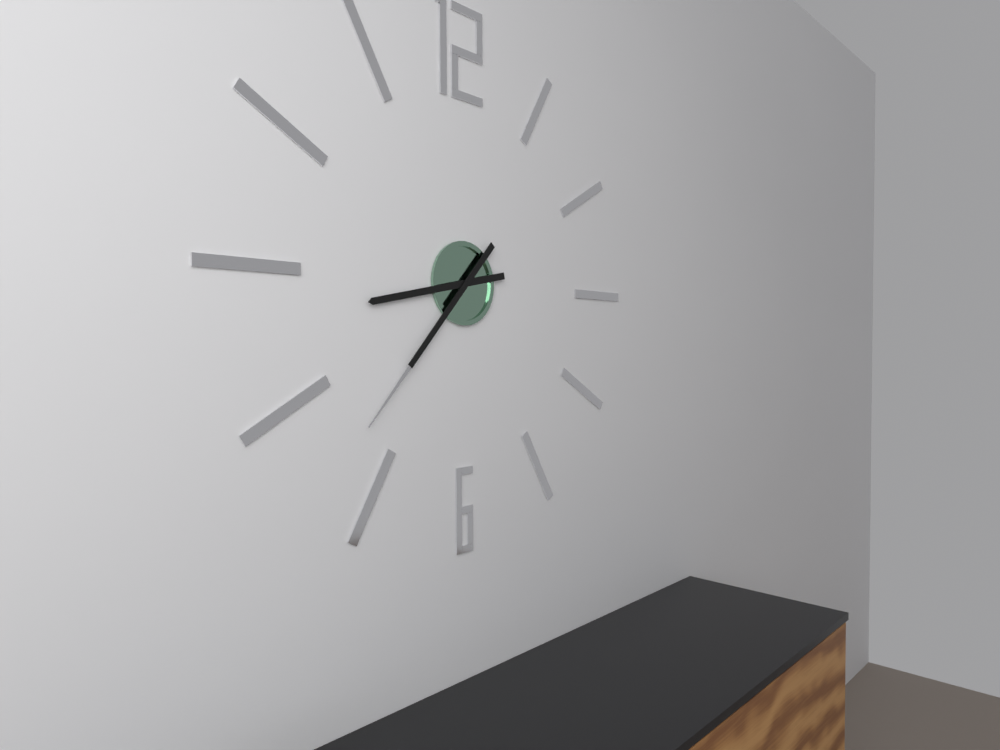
8:37
